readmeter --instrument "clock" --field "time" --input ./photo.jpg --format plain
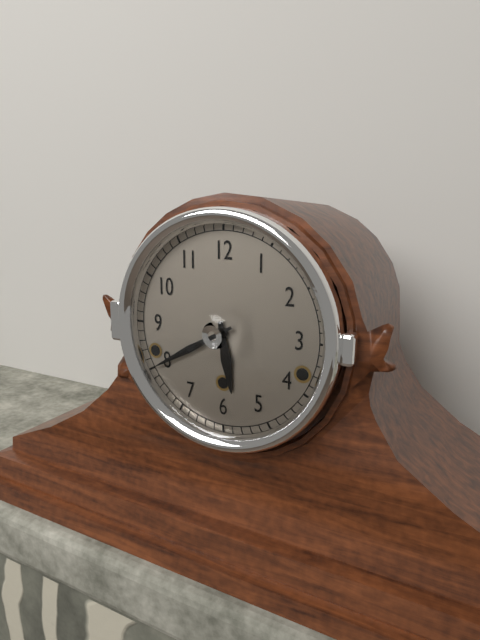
5:40
